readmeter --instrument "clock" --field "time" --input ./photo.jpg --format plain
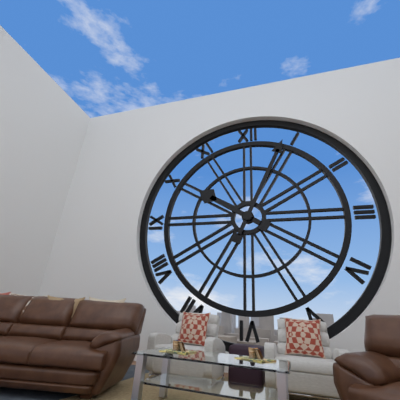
10:04
